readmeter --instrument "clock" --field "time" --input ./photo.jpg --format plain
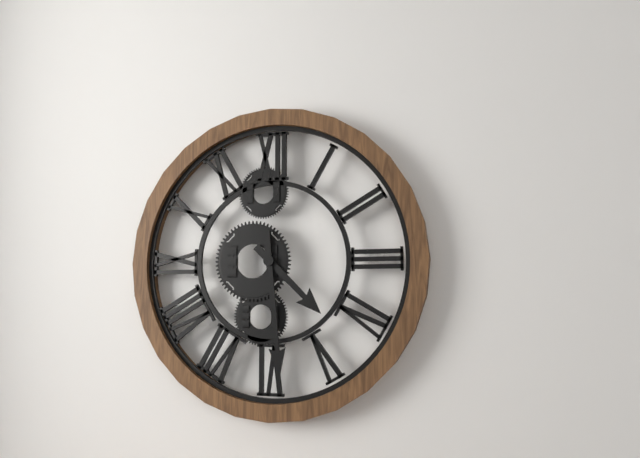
4:29
